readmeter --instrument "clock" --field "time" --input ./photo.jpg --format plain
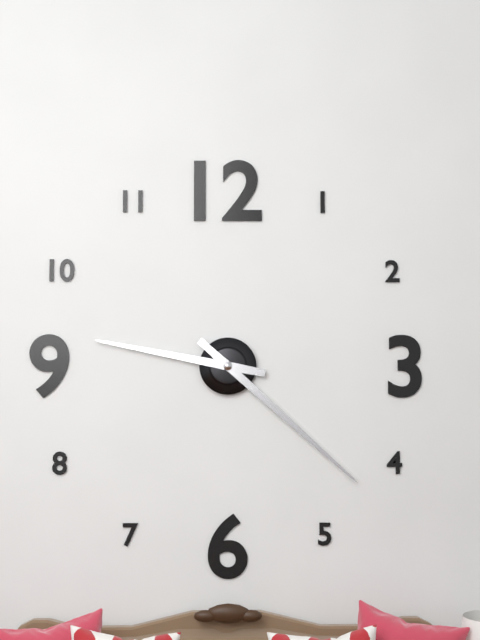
9:22
